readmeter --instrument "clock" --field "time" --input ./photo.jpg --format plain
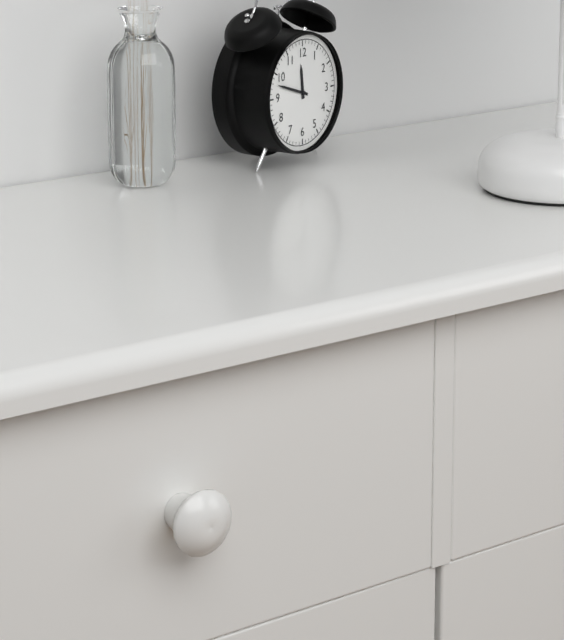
11:48
